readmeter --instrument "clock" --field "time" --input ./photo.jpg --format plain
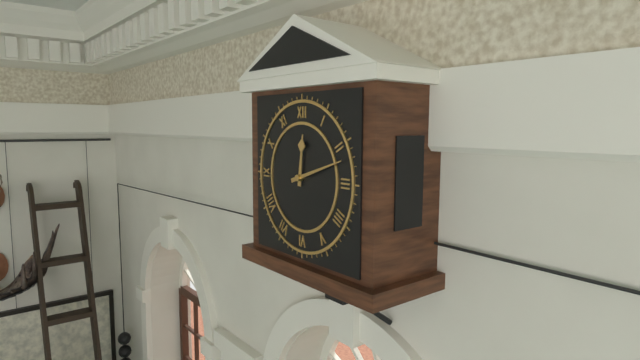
12:12
